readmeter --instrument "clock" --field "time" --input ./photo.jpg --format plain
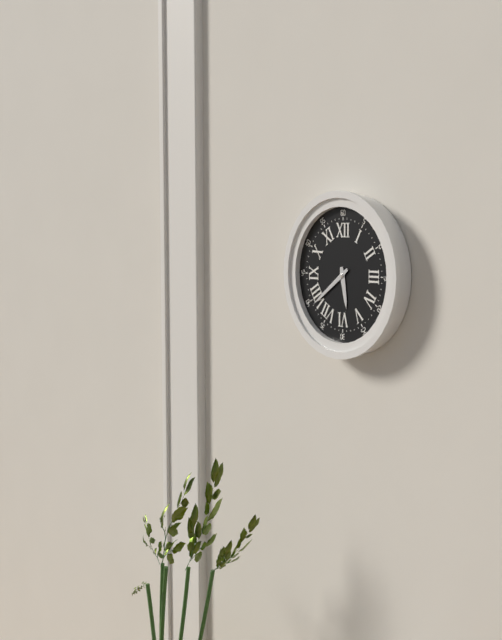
5:39
